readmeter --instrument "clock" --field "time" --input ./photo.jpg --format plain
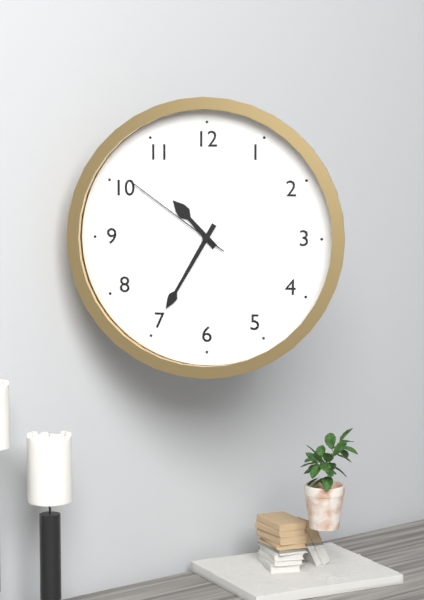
10:35:51
